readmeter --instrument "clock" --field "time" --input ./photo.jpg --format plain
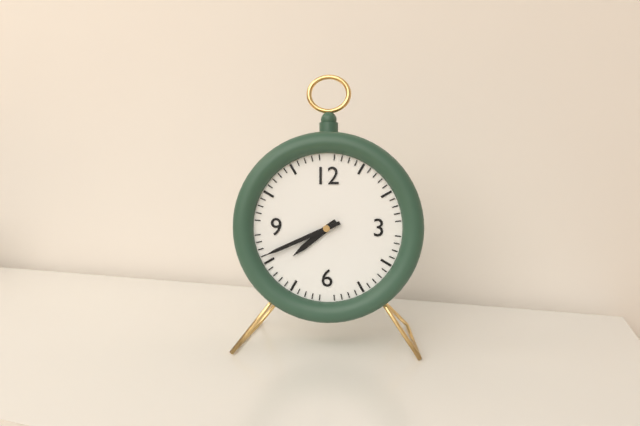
7:41
